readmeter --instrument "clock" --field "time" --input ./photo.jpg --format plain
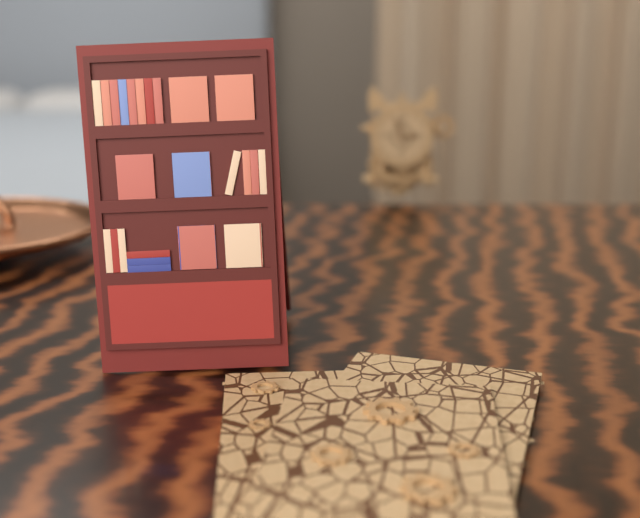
2:56
